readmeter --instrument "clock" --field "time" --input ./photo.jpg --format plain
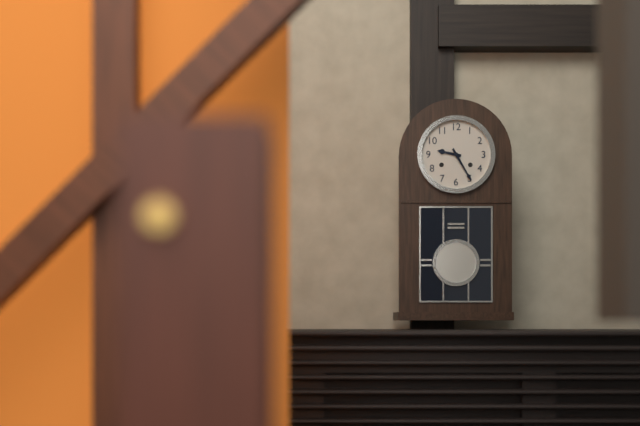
9:25
